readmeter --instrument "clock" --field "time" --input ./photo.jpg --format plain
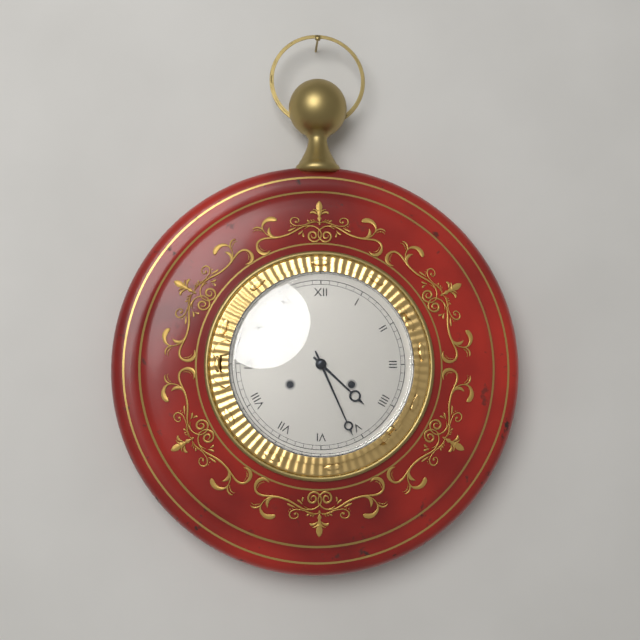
4:26
